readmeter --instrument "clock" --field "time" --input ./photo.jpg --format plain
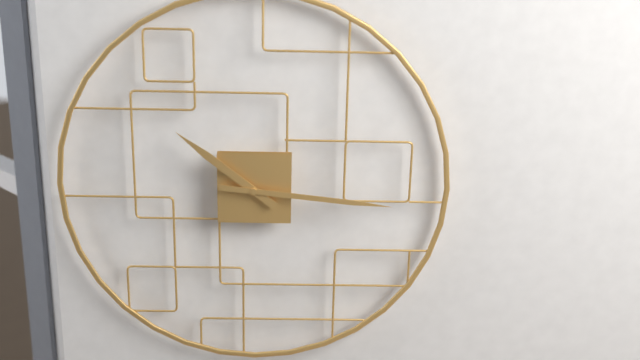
10:16
